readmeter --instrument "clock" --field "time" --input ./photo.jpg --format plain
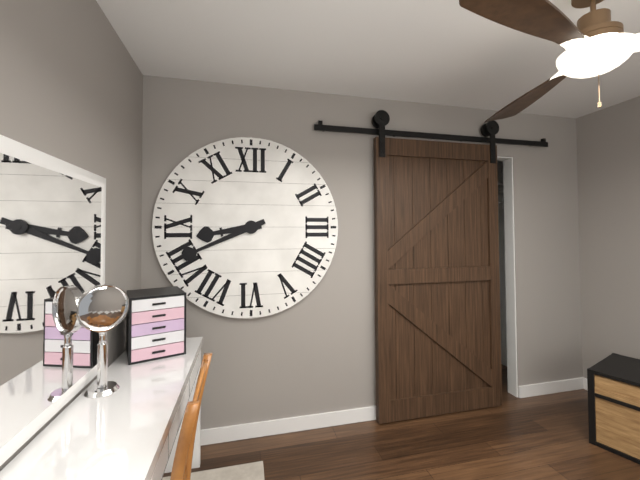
8:41
